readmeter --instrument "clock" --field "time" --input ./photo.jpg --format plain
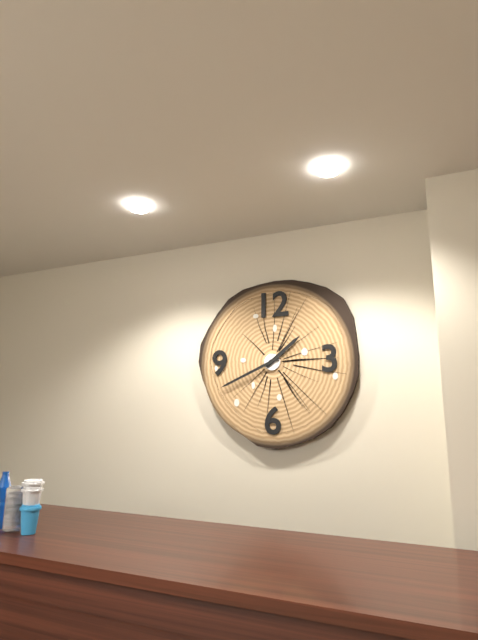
1:41
